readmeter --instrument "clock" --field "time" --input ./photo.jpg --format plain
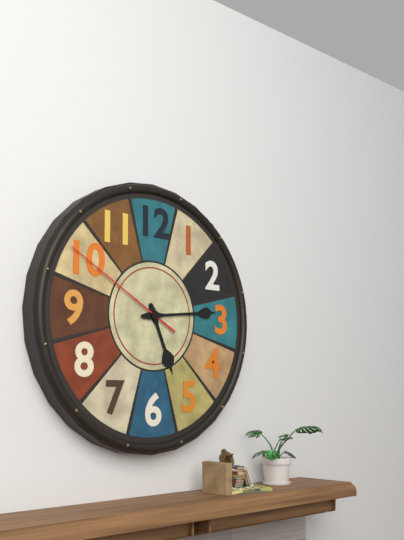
5:14:50
